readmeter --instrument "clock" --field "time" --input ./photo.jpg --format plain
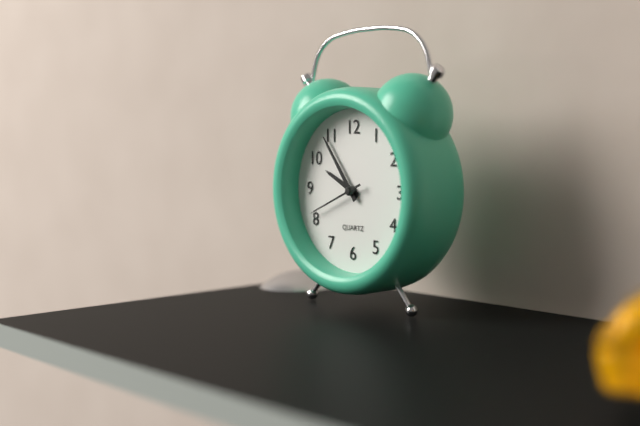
9:54:41
